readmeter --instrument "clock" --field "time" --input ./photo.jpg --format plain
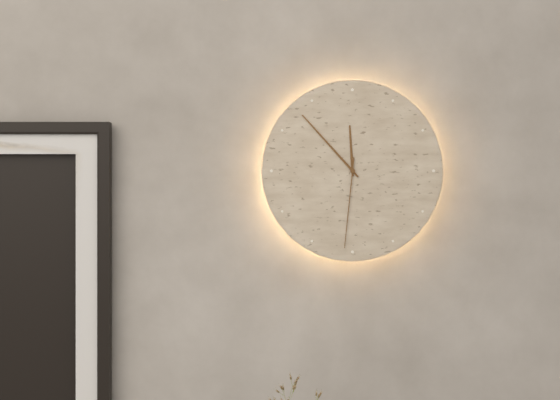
11:53:31
